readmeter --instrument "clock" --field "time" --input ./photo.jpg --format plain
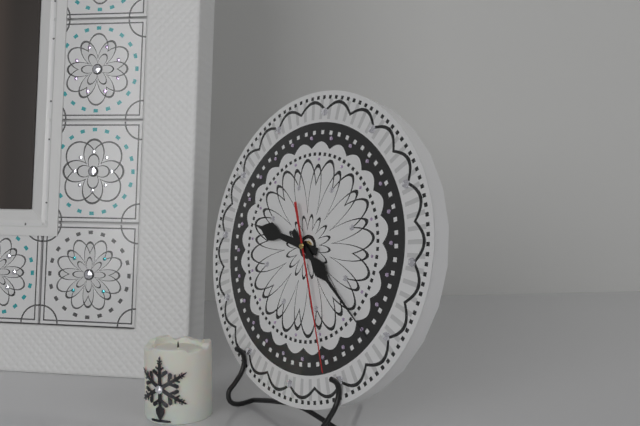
9:21:26
